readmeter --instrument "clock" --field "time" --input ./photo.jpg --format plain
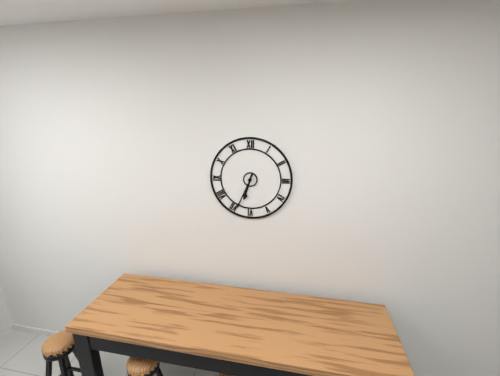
6:34
